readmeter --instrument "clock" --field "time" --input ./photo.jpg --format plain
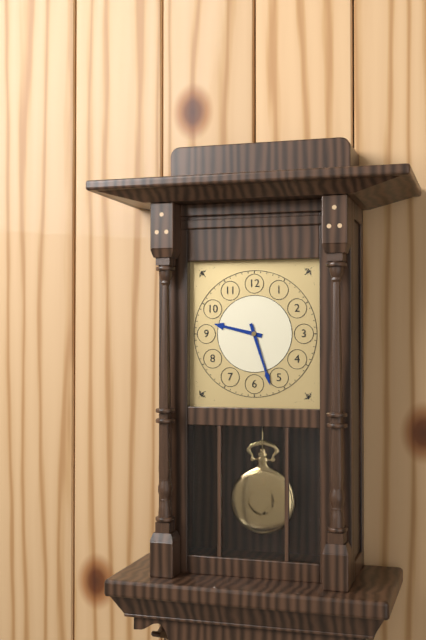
9:27
